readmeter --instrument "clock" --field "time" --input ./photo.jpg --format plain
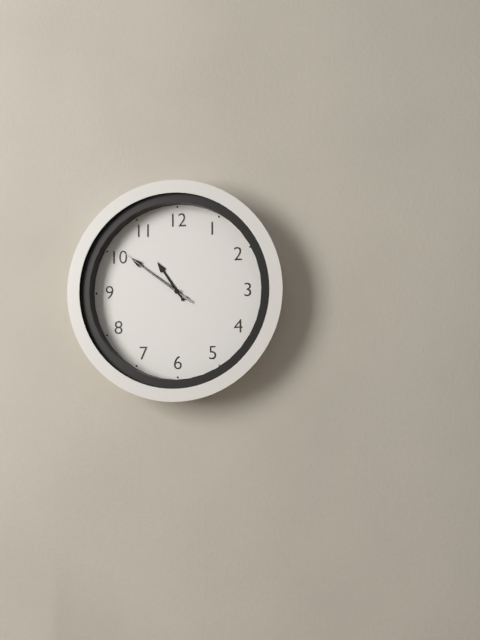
10:51:51
